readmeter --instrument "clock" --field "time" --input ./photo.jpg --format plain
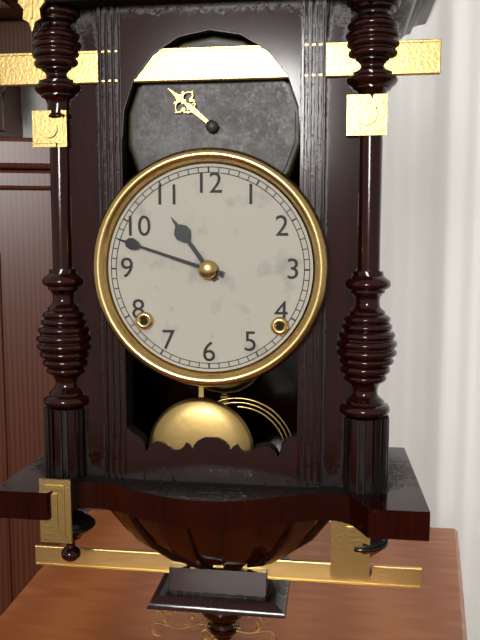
10:48
